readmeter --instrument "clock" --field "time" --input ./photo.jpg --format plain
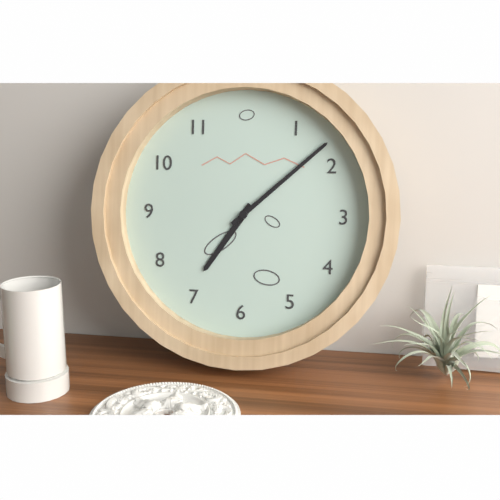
7:08
